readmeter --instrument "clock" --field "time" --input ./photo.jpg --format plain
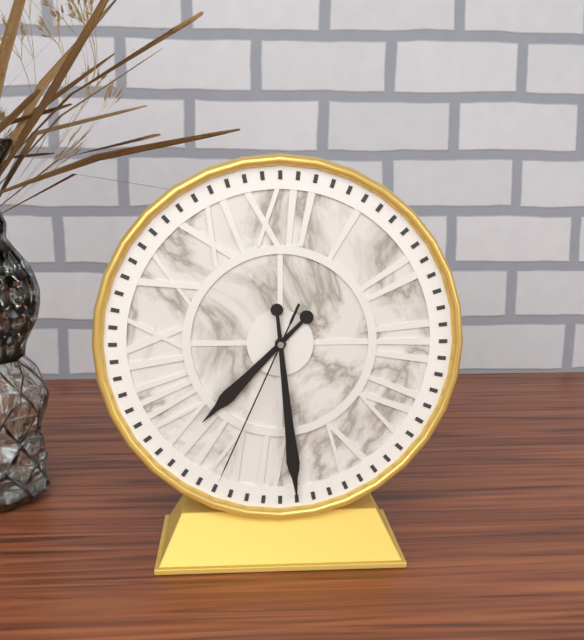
7:29:34
